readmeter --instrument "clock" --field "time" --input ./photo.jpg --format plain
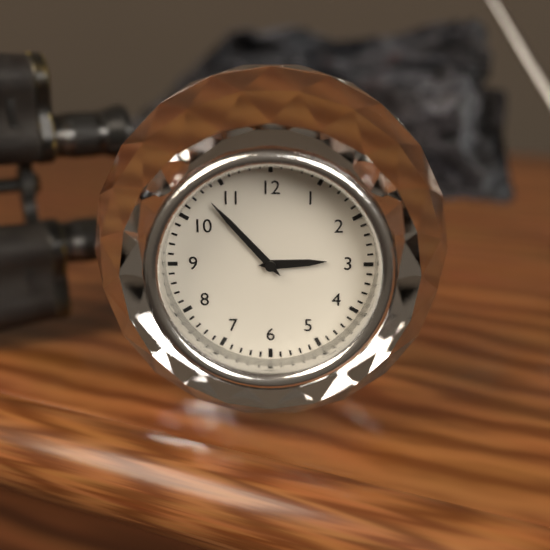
2:53
